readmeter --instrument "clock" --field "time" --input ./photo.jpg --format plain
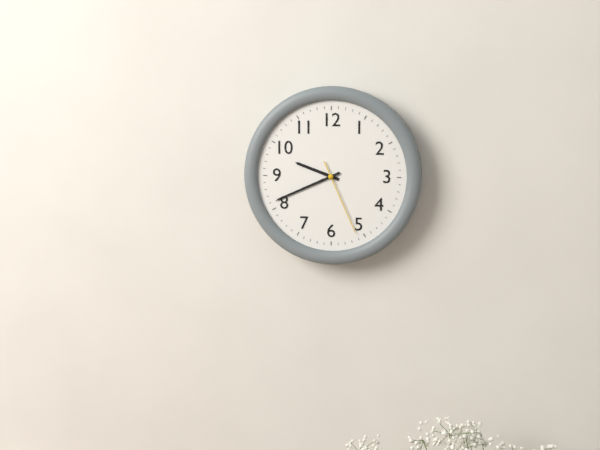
9:41:26
